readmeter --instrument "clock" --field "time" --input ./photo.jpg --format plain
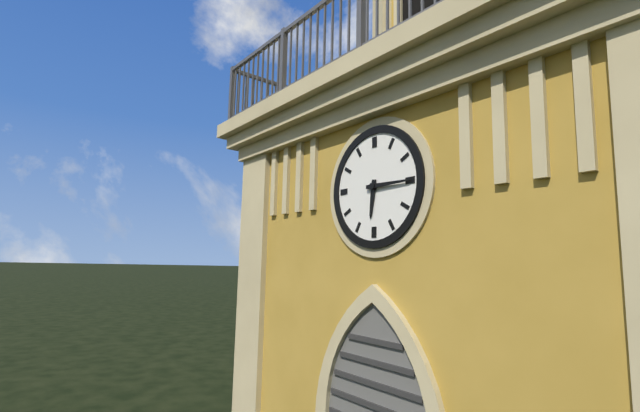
6:15
